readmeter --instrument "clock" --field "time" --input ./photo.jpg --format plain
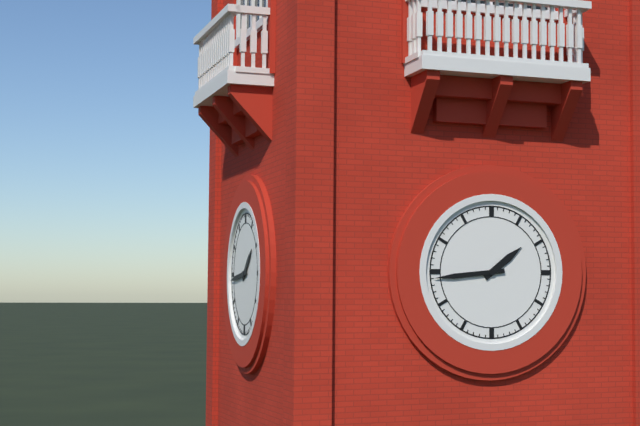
1:44
